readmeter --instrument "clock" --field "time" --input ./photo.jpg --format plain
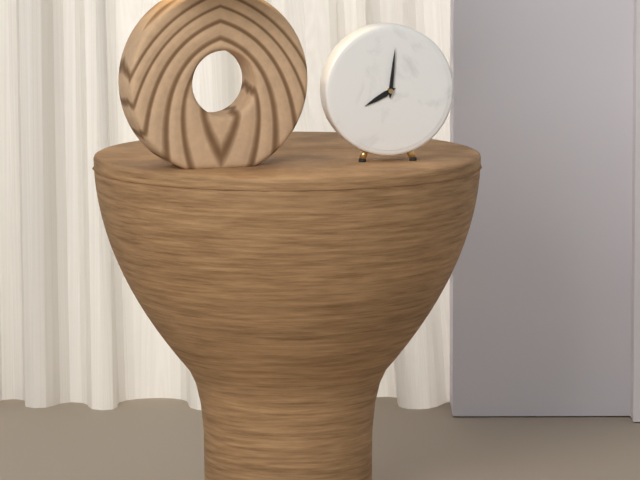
8:01
